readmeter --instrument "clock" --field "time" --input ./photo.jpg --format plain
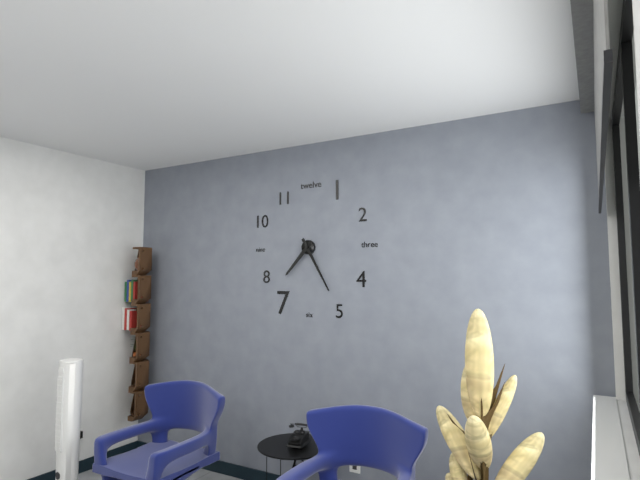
7:25
